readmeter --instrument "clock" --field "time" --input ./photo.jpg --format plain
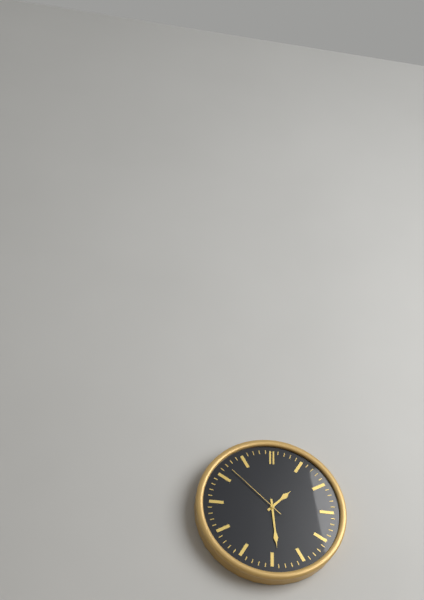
1:29:52
